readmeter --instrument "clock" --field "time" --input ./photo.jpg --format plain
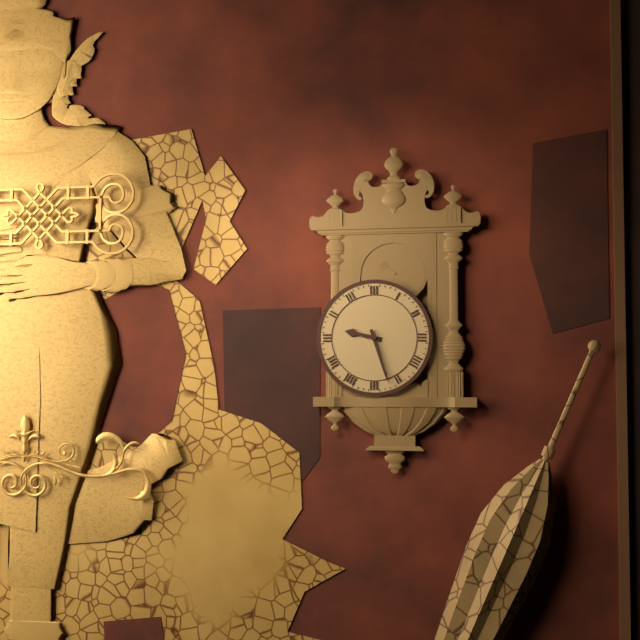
9:27
